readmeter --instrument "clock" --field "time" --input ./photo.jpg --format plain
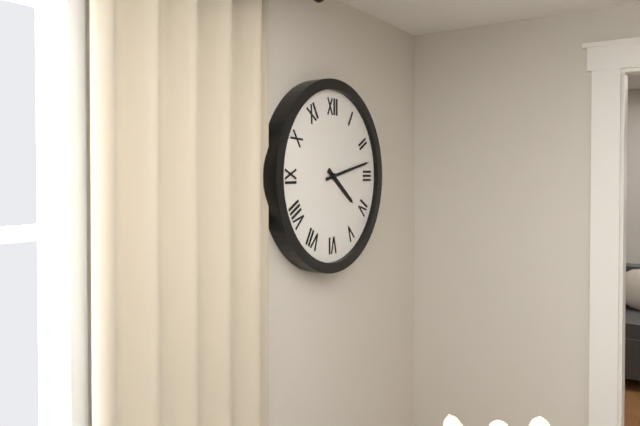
4:13
